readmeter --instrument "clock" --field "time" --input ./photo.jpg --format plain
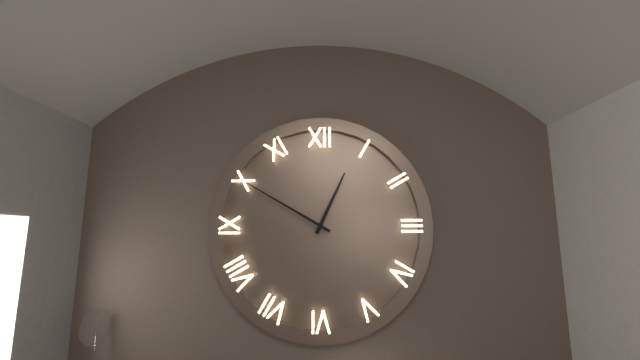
12:50
